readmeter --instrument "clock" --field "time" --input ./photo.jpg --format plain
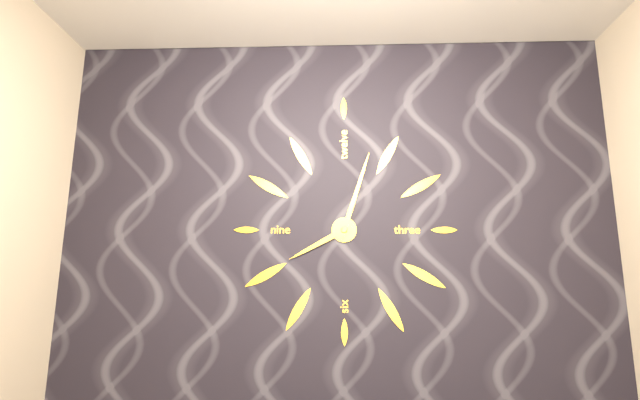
8:03
